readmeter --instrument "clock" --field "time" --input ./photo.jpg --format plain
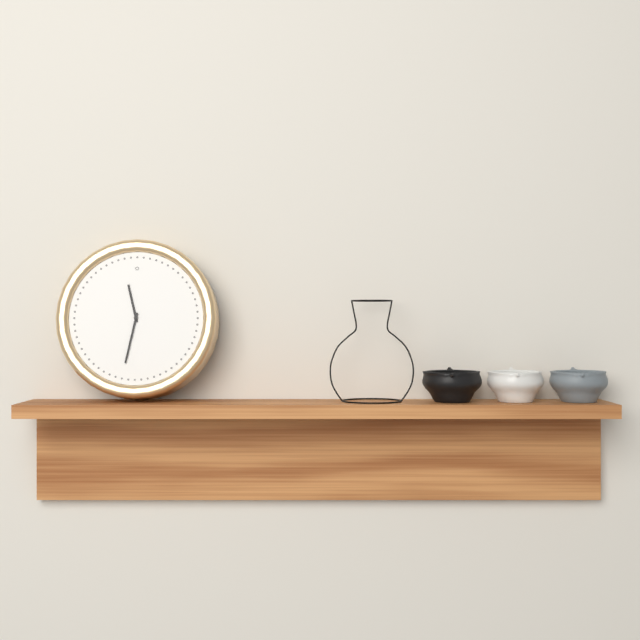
11:32
